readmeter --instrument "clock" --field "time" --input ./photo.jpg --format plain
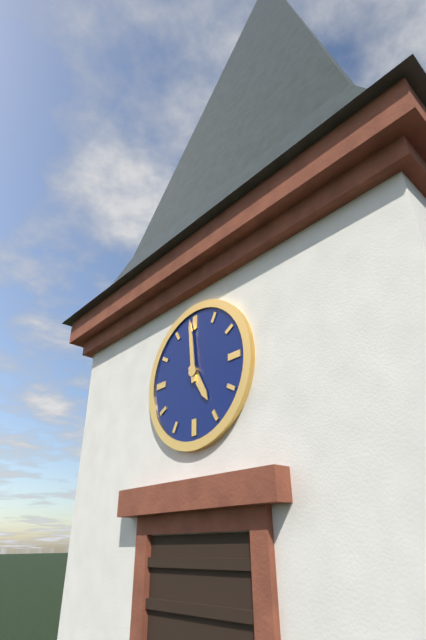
4:59
